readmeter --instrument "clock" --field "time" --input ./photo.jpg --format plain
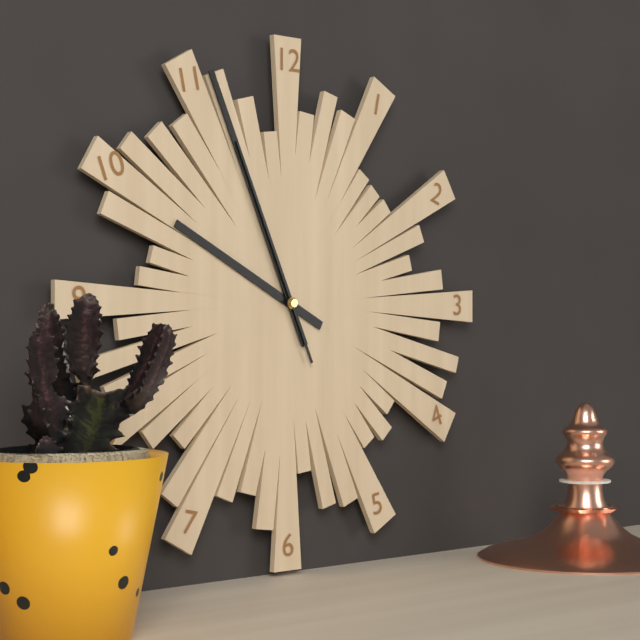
9:56:56
